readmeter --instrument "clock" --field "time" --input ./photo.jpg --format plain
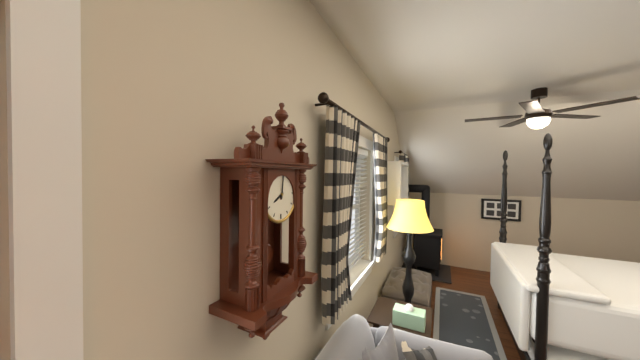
8:01
